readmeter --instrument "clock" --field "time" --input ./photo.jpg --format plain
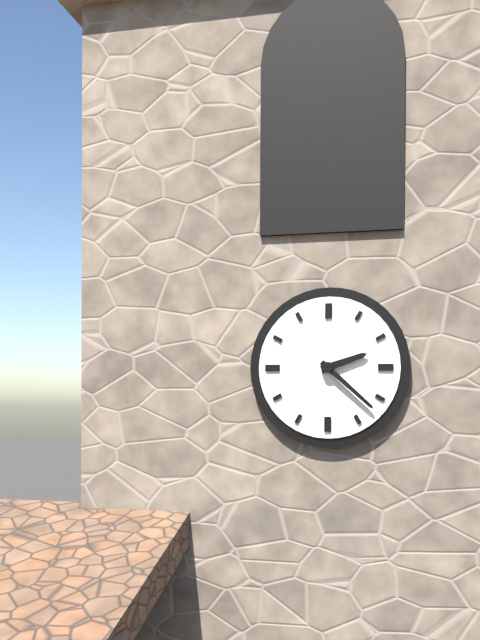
2:22
